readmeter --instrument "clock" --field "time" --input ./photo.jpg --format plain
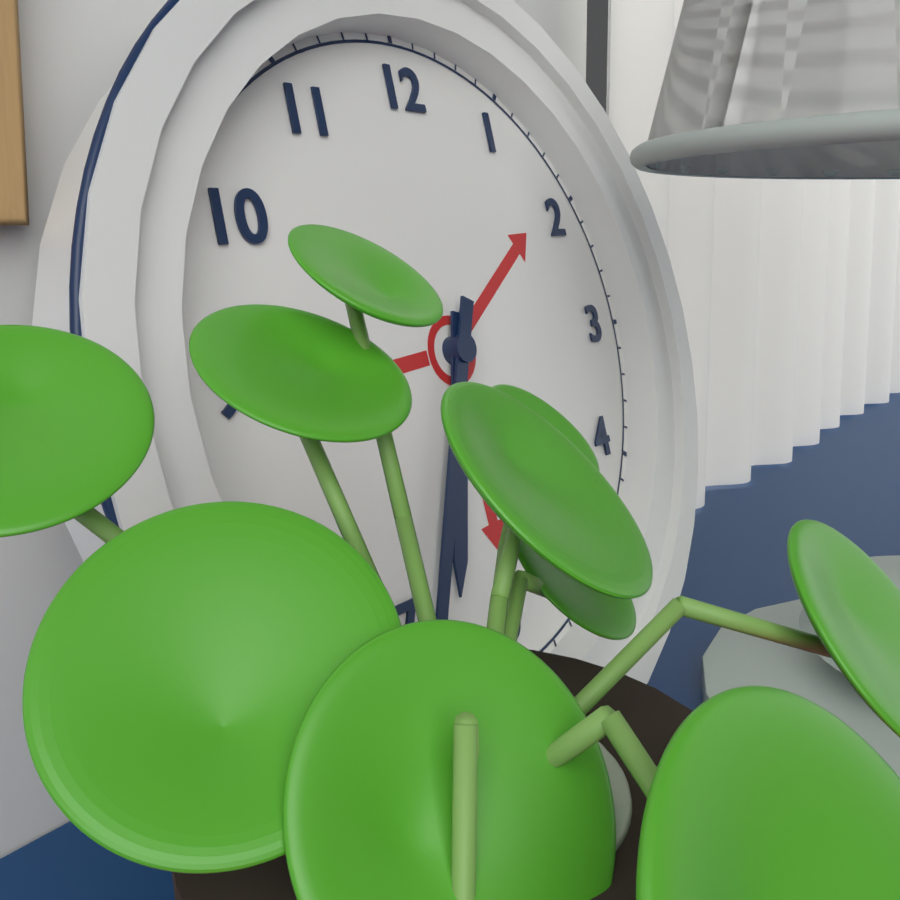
6:34
